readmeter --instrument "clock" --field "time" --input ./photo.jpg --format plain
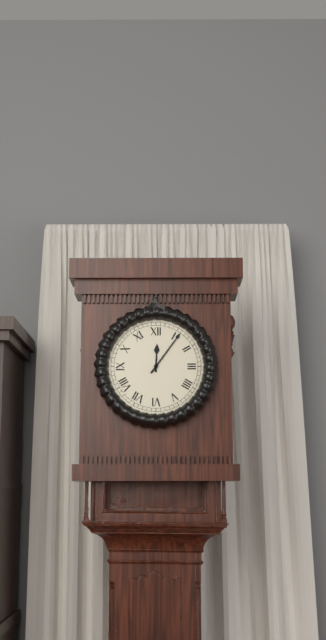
12:06
